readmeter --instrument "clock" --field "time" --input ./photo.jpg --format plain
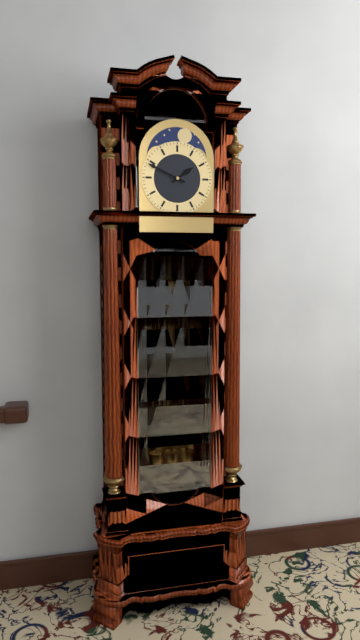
1:49
